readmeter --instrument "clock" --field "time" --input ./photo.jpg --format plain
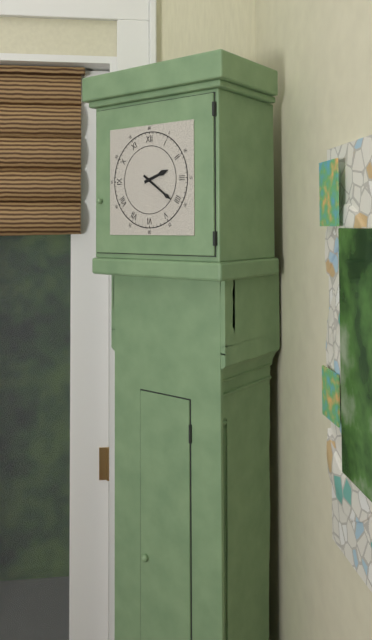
2:21
